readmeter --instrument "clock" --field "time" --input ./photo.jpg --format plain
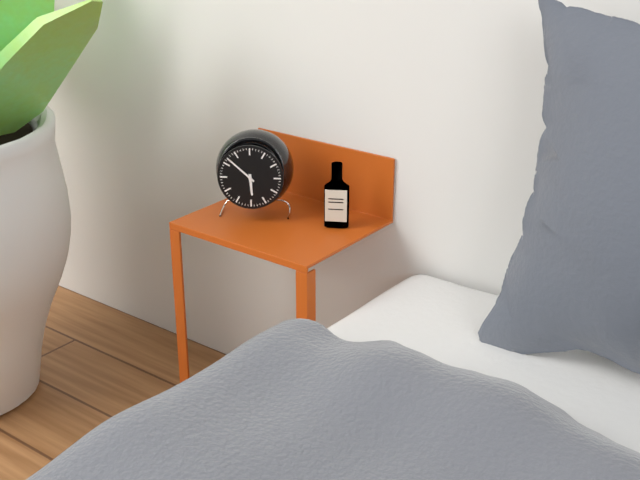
5:52
